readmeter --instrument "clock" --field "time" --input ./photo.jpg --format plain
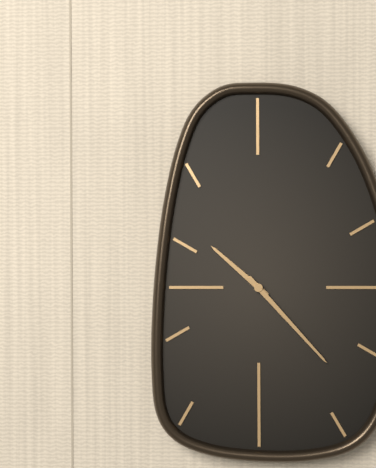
10:23
